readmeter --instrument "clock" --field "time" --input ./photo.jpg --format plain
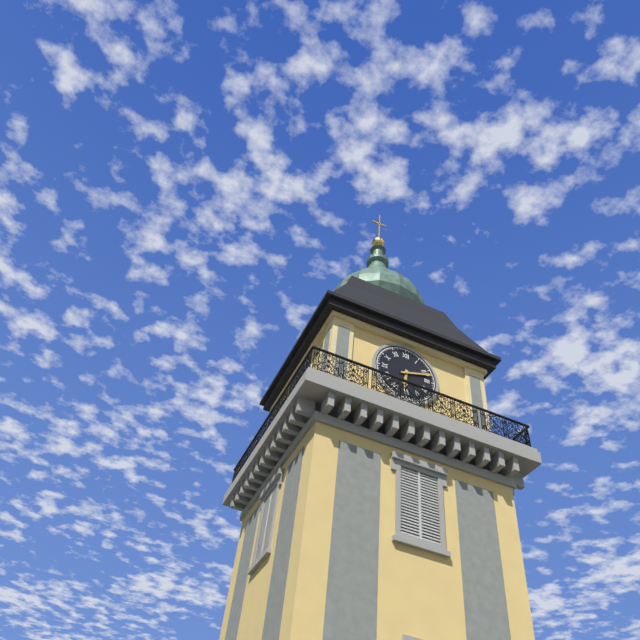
6:12
